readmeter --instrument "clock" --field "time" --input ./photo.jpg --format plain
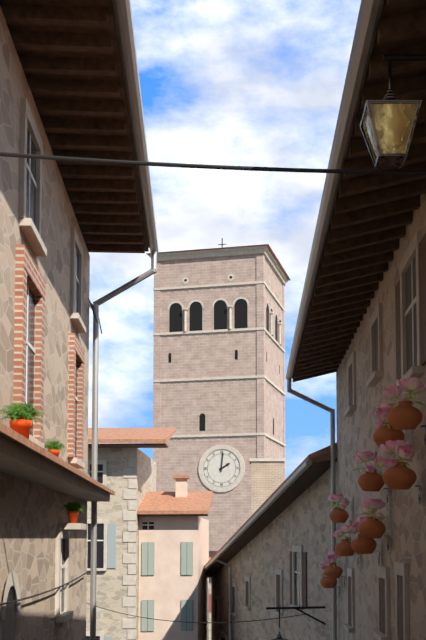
2:01
